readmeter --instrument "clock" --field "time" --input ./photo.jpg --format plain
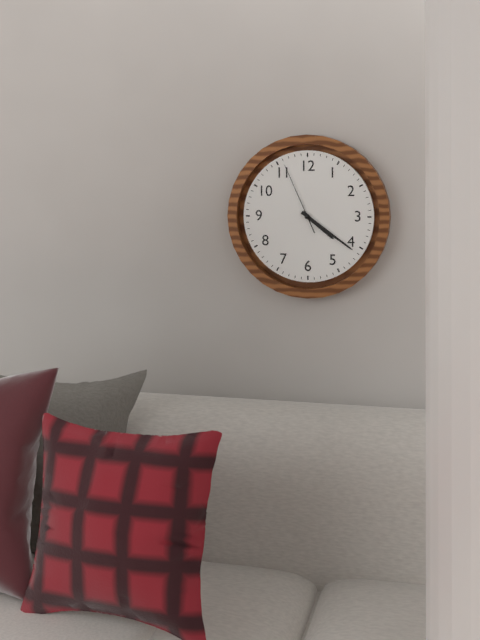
4:21:56
